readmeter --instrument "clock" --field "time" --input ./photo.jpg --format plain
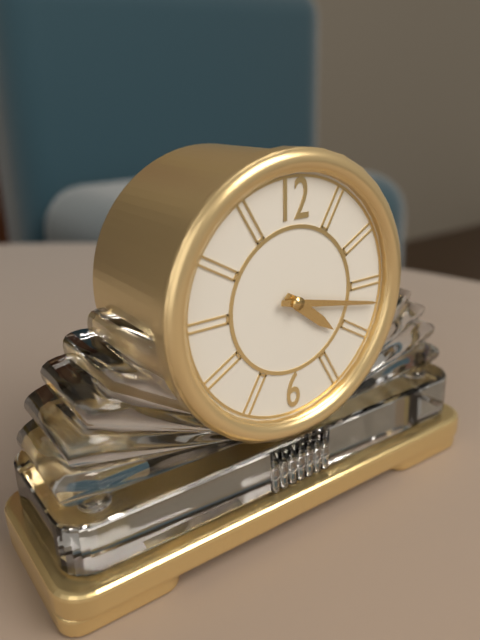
4:17
